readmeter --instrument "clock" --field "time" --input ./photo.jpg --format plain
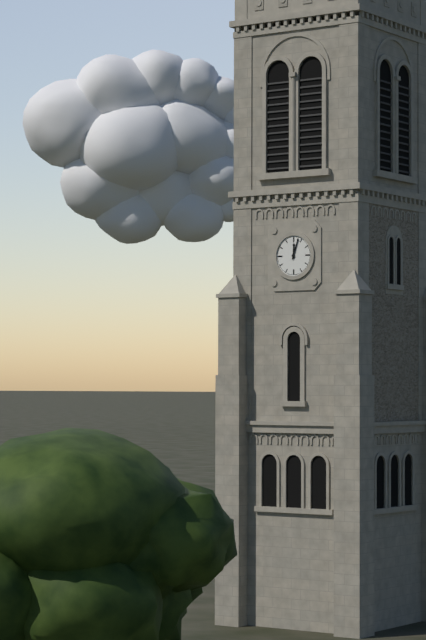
12:03
